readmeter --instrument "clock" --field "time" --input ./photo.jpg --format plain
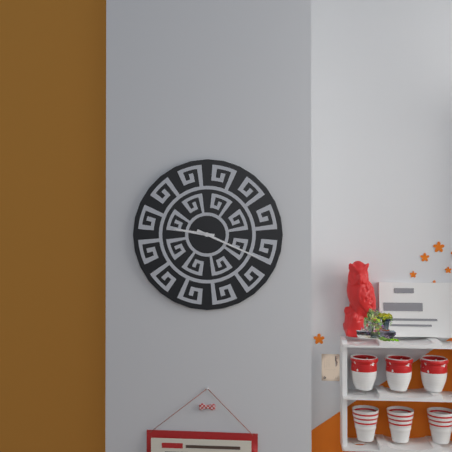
9:19
